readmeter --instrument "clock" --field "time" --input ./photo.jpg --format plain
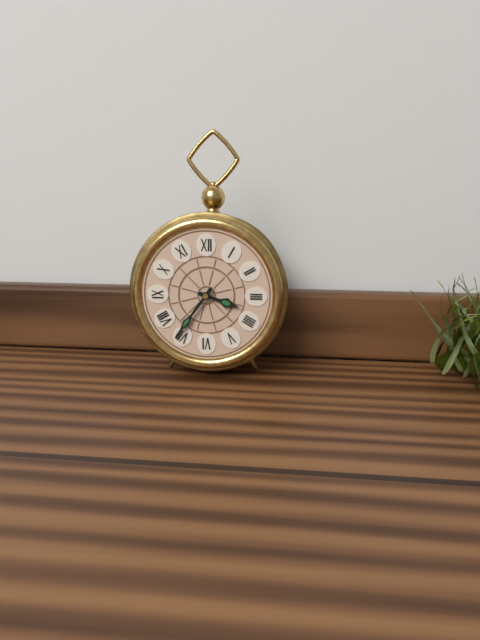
3:36
